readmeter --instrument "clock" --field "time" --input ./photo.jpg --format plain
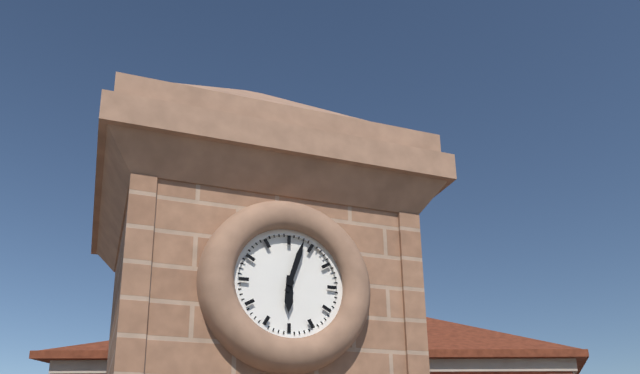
6:03
